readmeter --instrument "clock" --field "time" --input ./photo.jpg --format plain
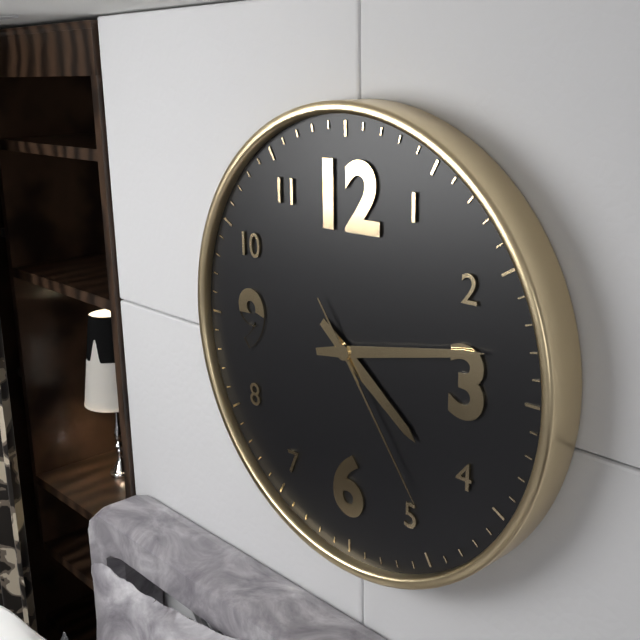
4:13:24
